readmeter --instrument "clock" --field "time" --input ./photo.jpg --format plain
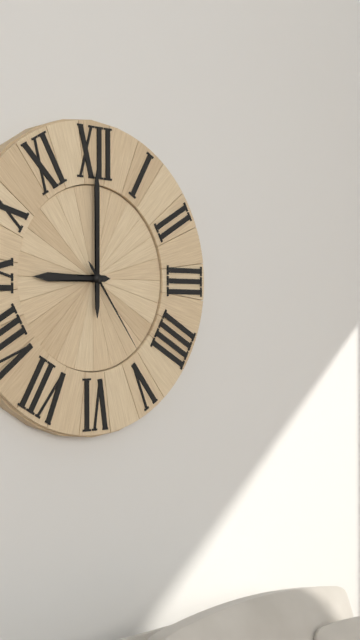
9:00:24
